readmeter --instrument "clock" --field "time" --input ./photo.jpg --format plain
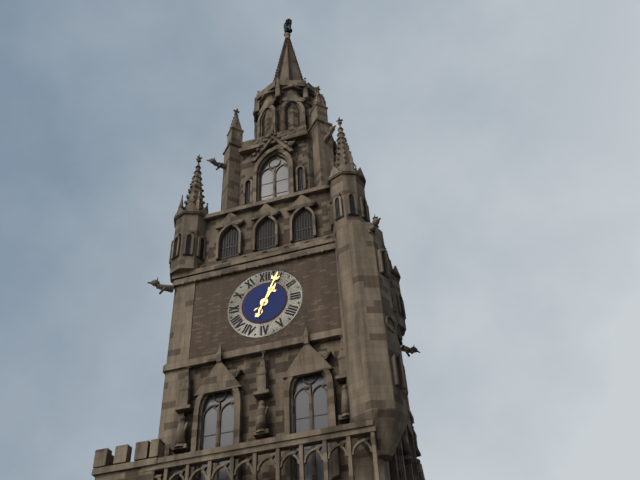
1:04
